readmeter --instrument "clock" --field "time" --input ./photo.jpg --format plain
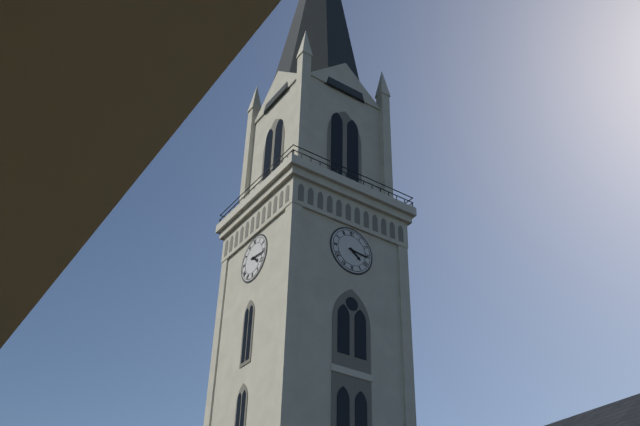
4:16
